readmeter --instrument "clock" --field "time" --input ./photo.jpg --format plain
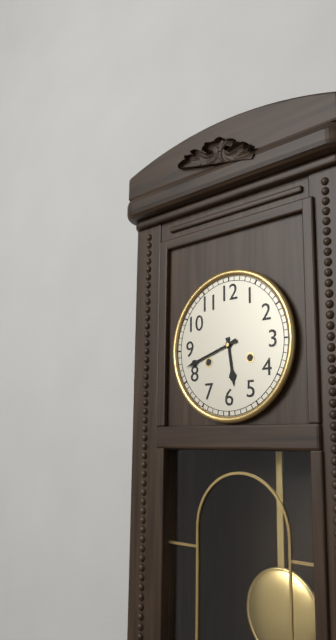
5:42
